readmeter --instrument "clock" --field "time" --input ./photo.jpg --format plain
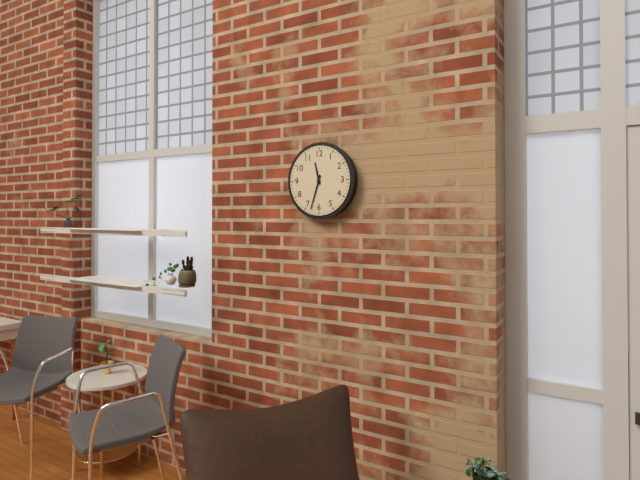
11:33
